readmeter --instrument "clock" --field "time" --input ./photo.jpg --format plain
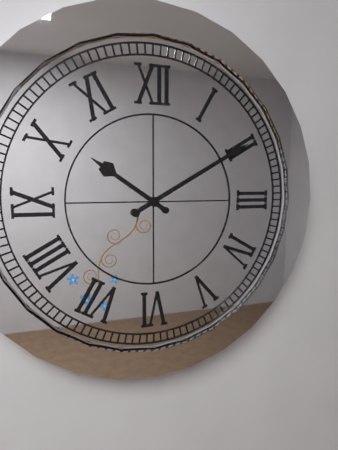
10:10
